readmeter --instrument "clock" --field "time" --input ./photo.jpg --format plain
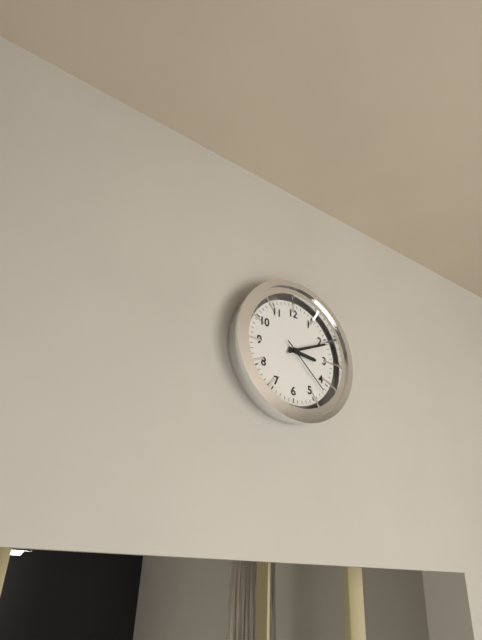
3:11:22
